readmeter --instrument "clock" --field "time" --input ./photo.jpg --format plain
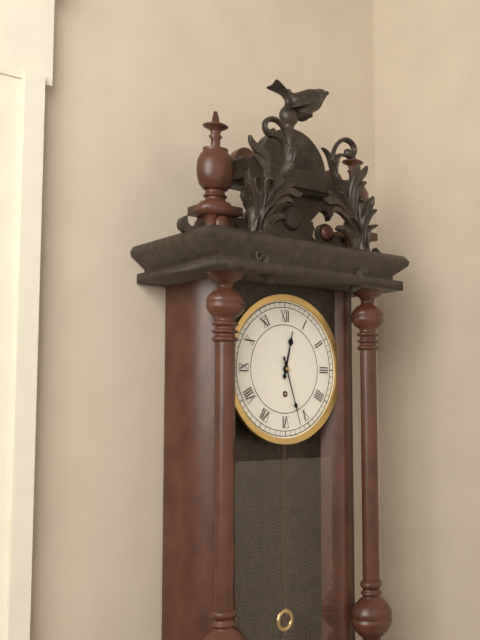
12:27
